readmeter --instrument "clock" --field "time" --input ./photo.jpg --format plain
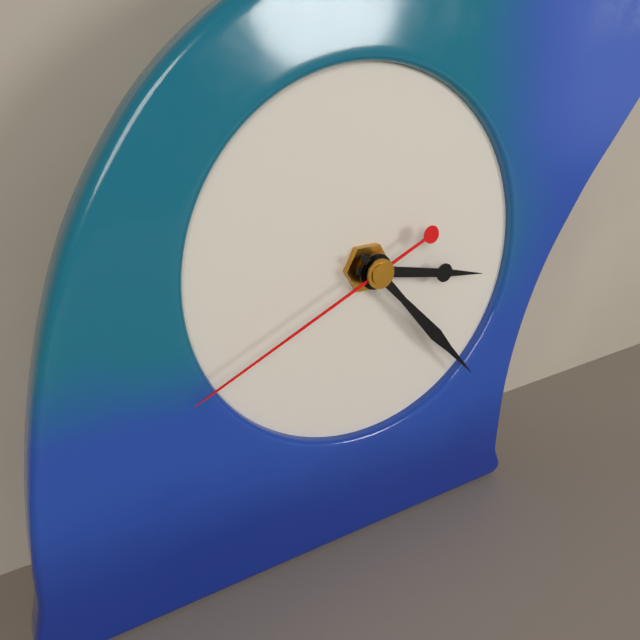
3:23:41
